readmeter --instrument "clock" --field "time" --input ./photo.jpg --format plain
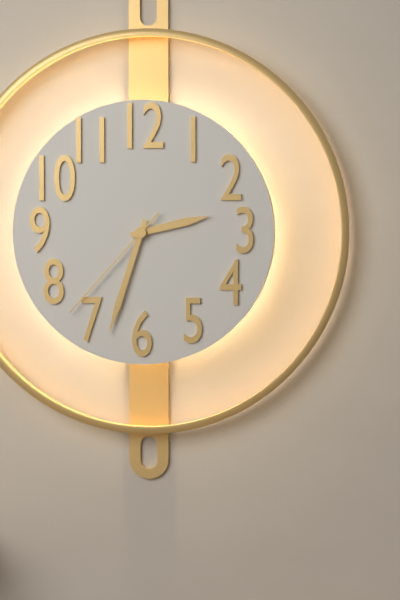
2:33:37
